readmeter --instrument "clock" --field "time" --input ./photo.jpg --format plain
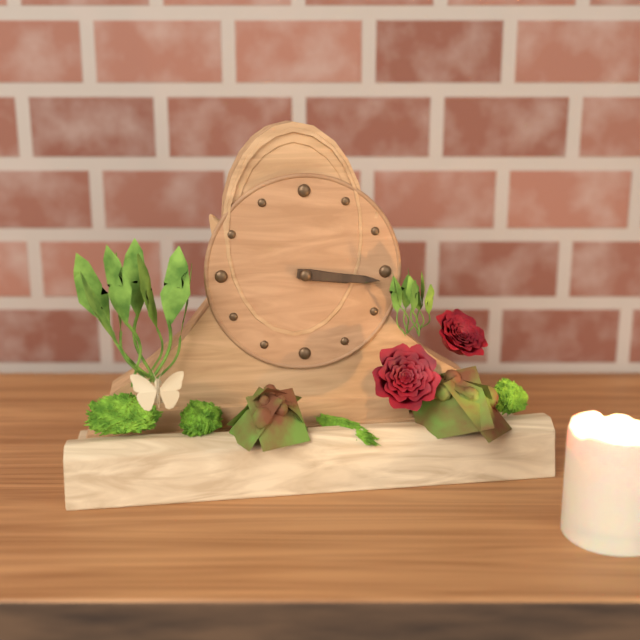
3:16
